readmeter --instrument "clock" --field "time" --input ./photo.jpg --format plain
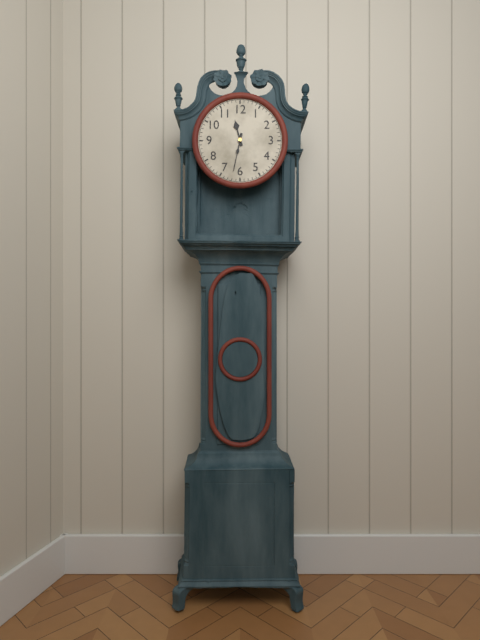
11:32
